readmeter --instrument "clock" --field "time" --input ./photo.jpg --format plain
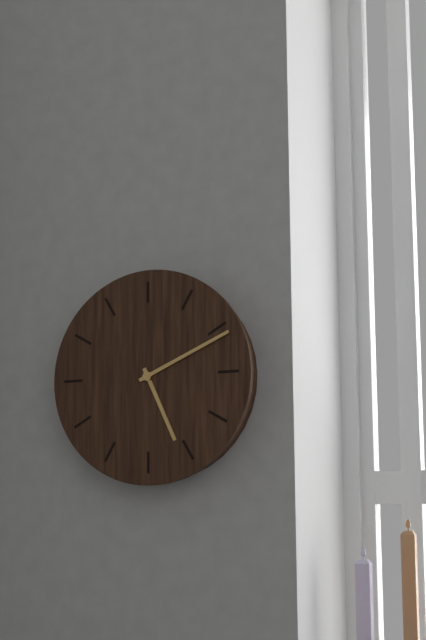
5:11
